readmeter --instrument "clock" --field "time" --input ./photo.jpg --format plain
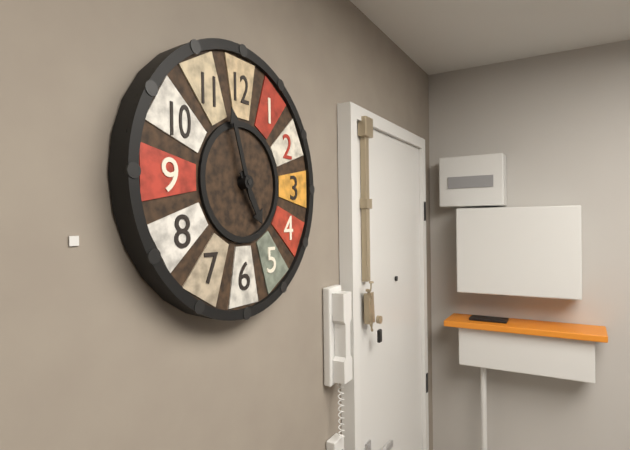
4:57
